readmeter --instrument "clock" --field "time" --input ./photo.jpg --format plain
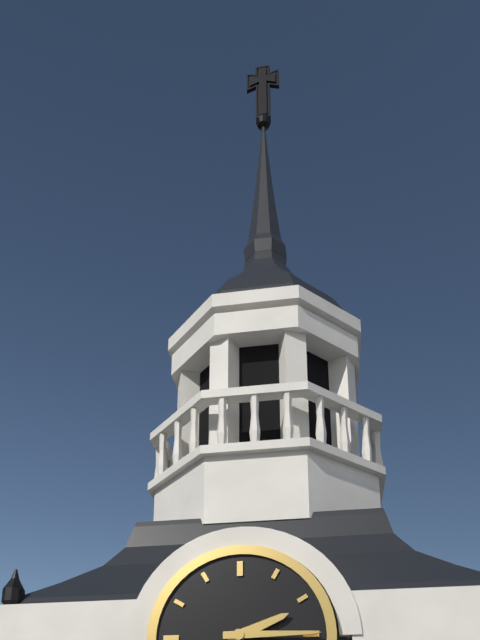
2:15
